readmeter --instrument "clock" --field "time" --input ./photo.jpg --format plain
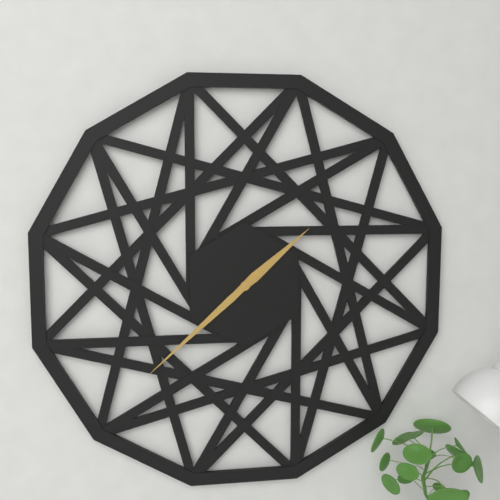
1:38
